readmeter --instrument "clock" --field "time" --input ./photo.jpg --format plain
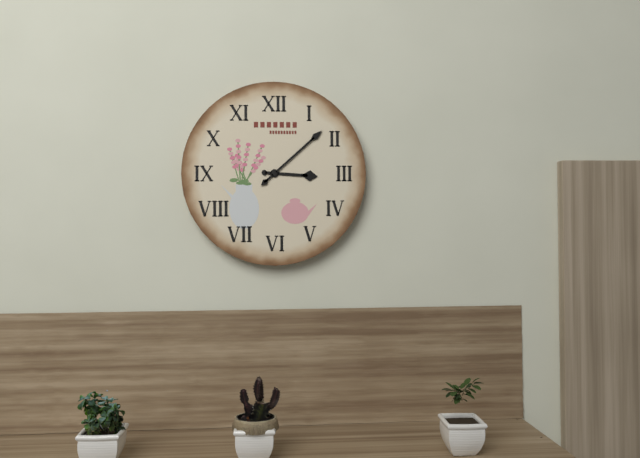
3:08
